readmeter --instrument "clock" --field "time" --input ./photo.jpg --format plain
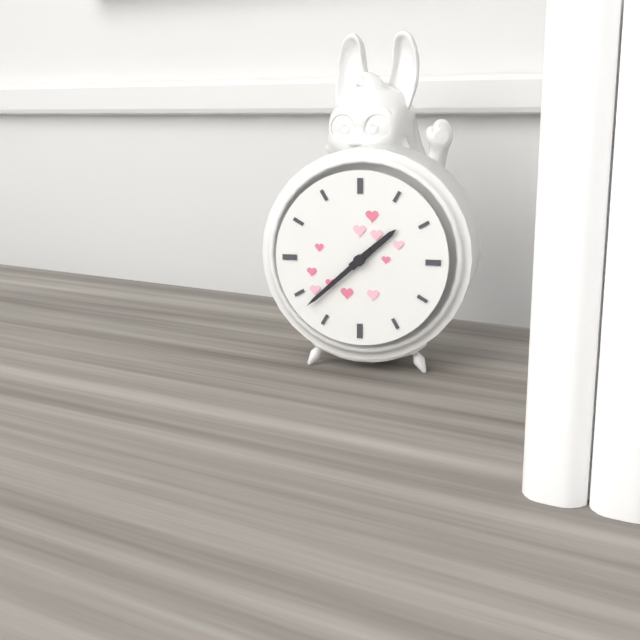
1:38
